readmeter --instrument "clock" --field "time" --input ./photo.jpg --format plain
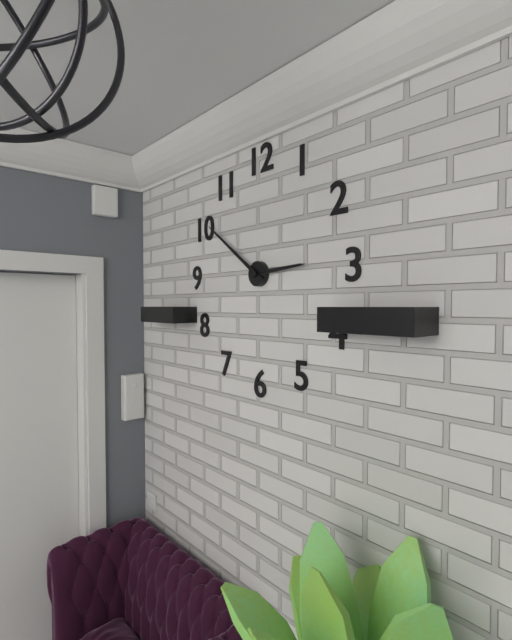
2:51
